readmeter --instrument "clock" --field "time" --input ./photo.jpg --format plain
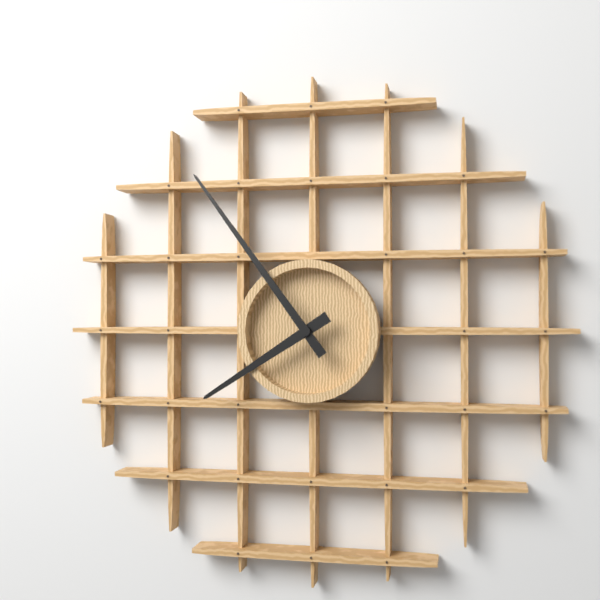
7:54
